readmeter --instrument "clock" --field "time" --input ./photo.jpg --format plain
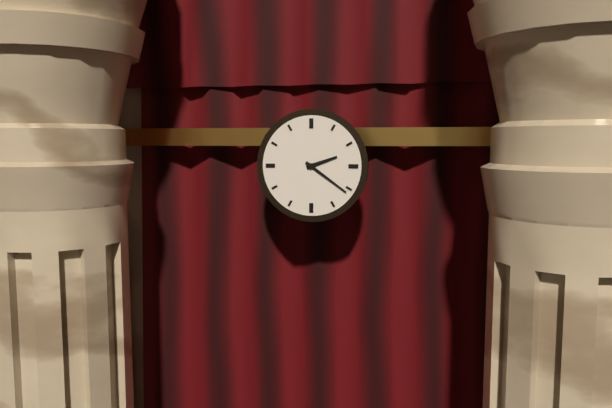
2:21
